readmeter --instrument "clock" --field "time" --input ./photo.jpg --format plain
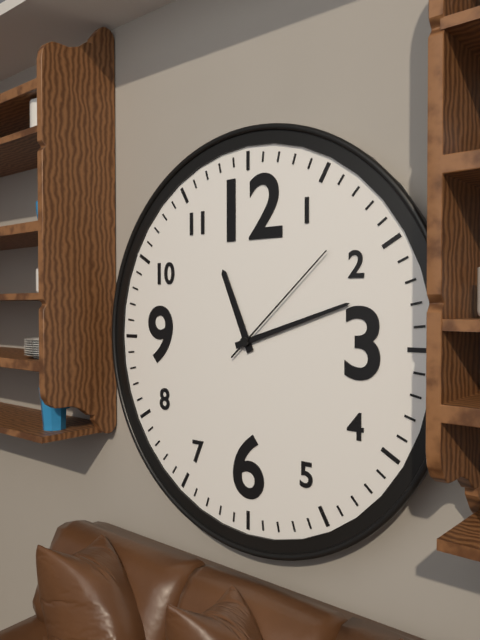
11:12:08
